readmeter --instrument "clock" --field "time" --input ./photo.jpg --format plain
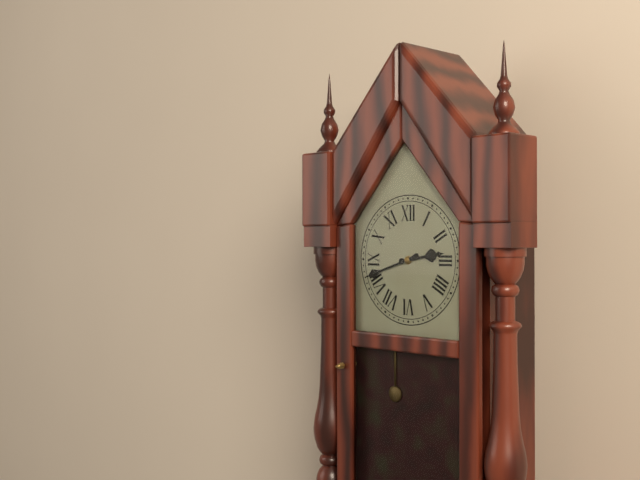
2:42
